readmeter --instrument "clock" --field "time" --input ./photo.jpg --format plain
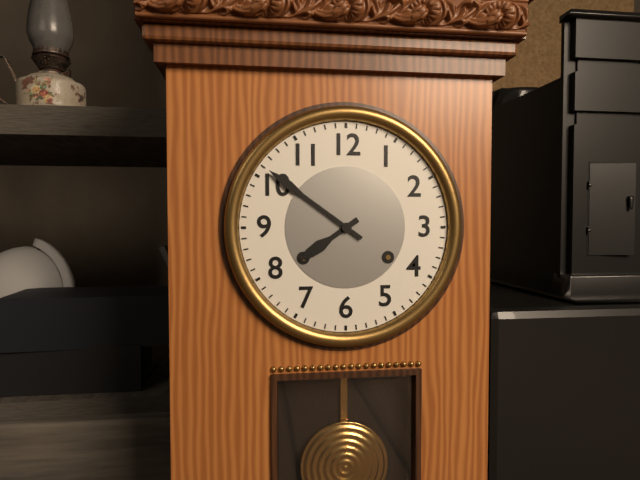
7:51
